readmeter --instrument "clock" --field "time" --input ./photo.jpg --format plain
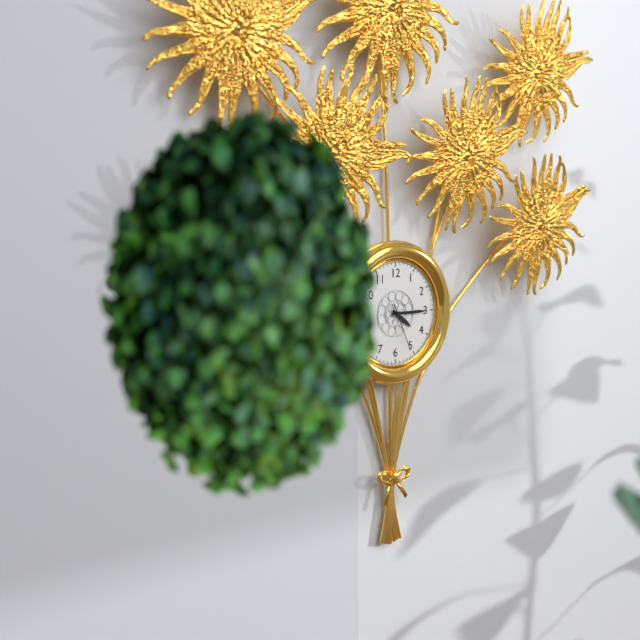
4:15
